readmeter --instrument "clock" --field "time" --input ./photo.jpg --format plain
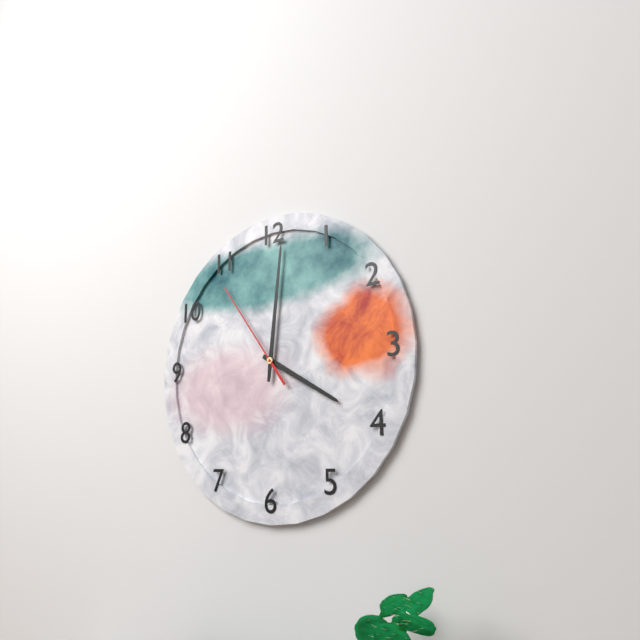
4:01:54
